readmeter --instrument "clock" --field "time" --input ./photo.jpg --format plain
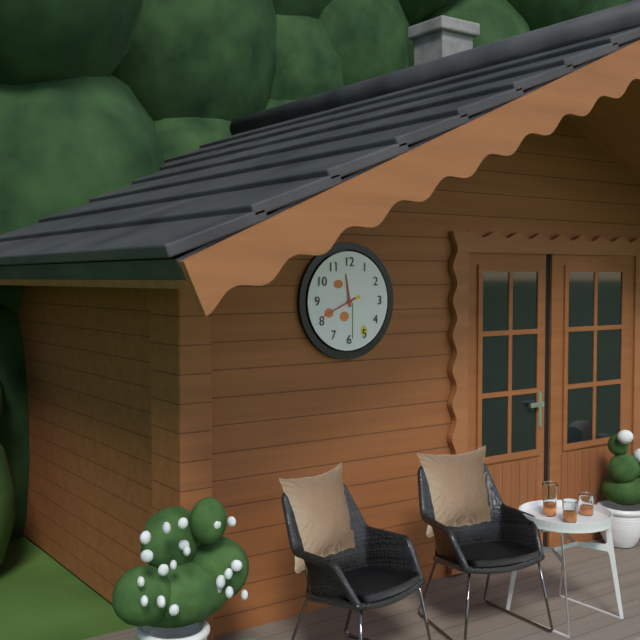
11:41
